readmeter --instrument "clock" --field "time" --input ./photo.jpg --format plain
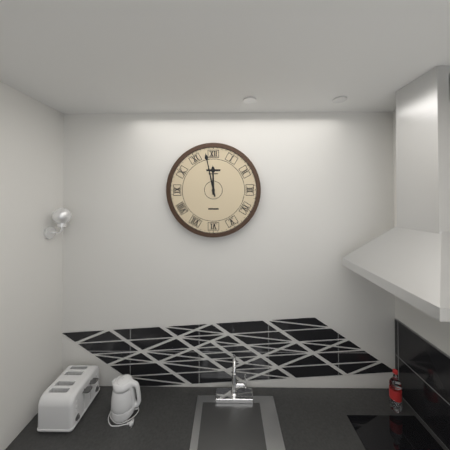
11:58
